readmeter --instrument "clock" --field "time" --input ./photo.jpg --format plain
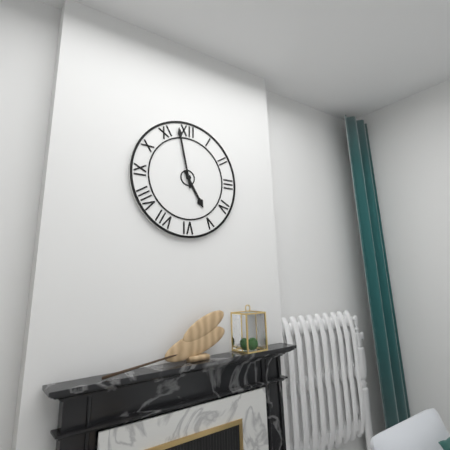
4:58
